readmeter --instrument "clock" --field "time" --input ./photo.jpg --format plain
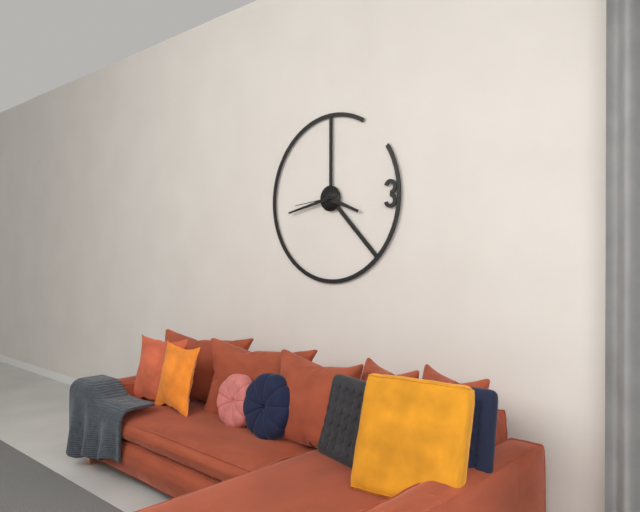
3:43
